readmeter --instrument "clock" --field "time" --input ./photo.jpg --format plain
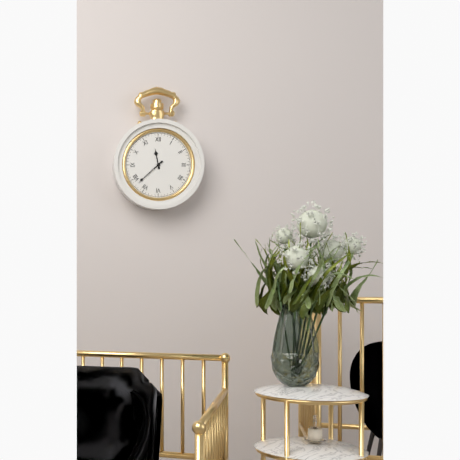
11:38
